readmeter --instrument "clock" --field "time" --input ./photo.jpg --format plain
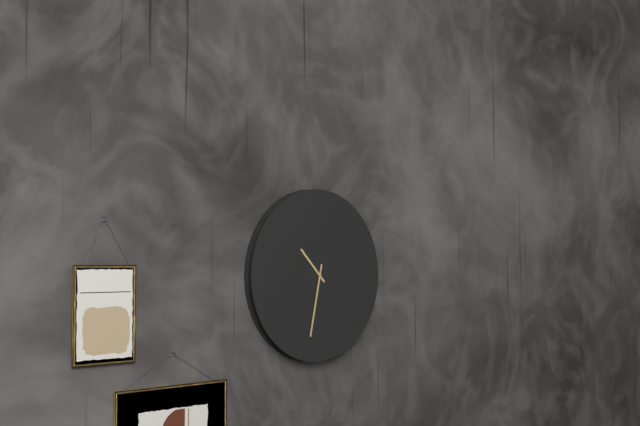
10:32
